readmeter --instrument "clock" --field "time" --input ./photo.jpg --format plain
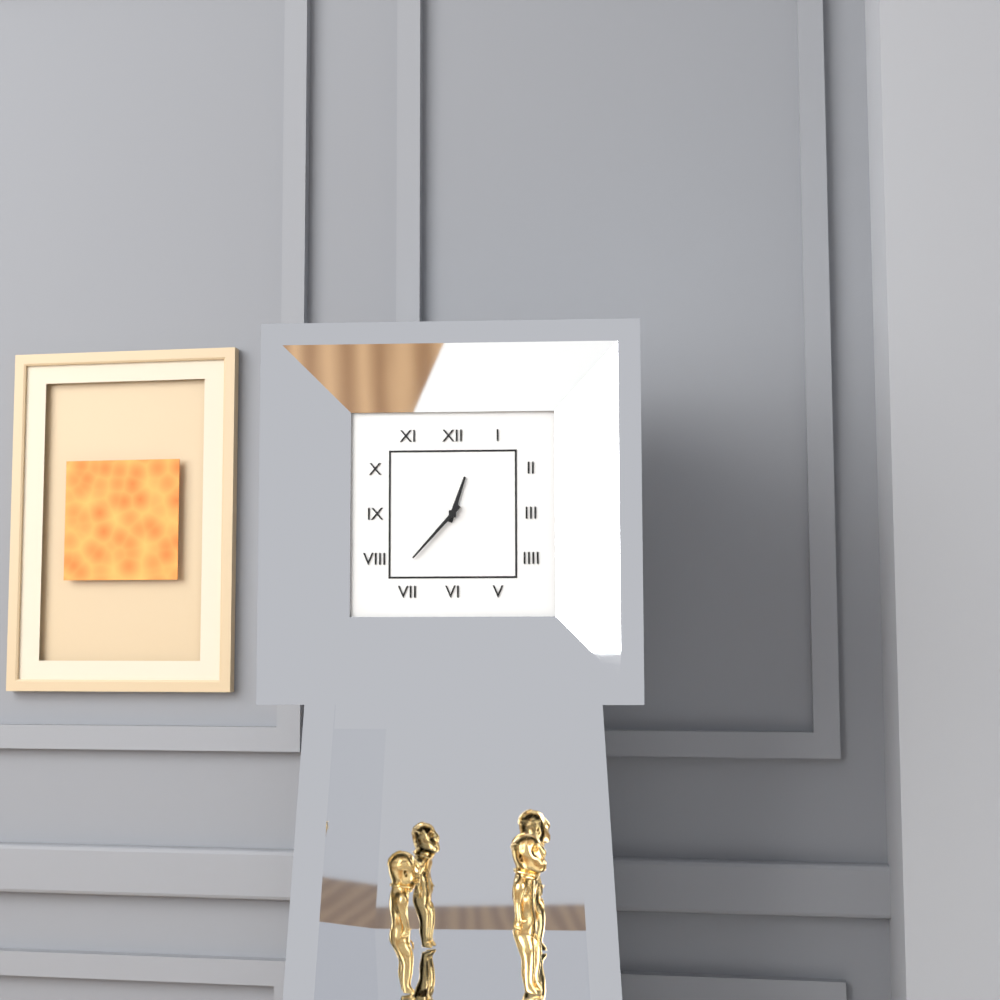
12:37
